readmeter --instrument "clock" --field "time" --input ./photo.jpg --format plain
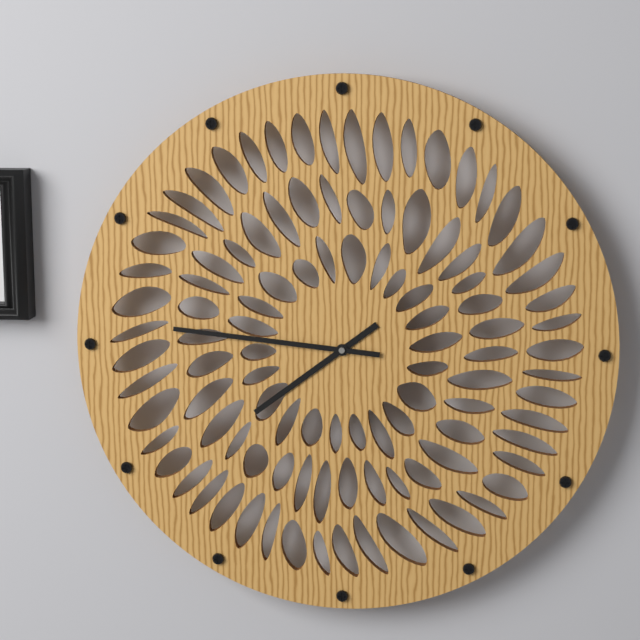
7:46
